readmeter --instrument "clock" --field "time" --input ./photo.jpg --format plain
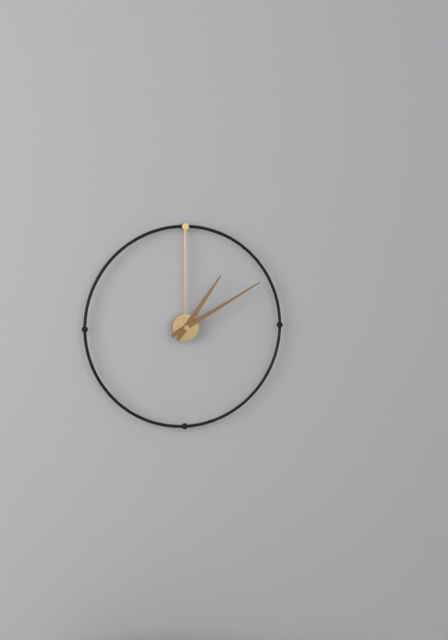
1:10
